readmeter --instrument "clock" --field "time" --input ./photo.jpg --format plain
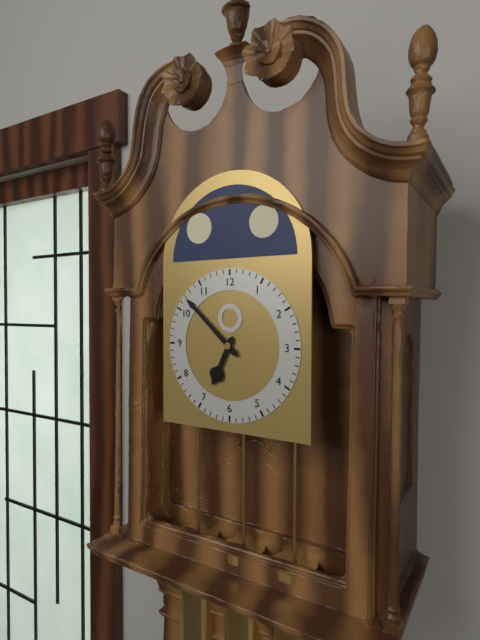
6:52
